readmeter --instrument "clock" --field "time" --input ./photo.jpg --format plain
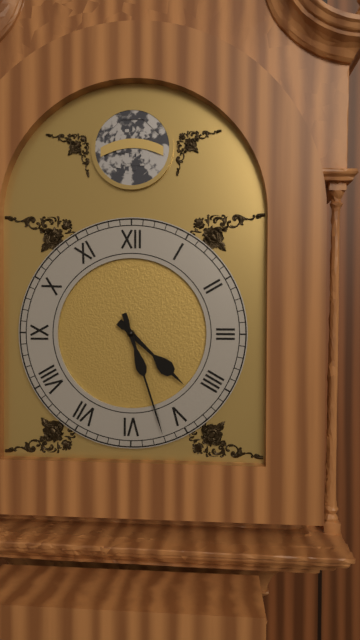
4:27
